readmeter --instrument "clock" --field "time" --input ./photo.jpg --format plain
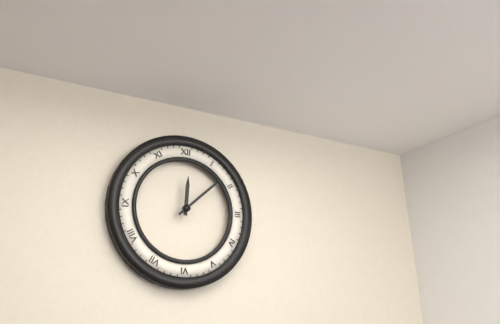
12:08
